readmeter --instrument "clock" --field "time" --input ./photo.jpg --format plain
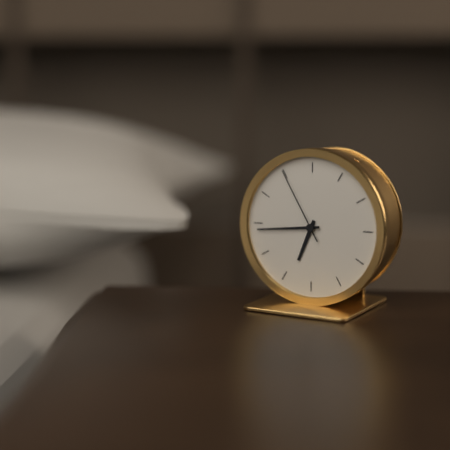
6:44:55
